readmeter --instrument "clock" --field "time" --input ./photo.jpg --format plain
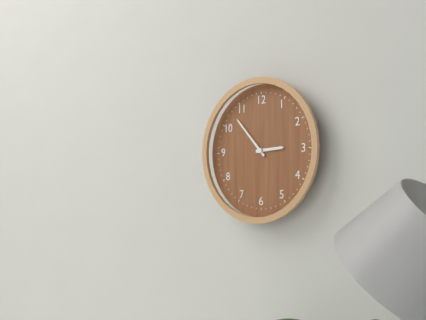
2:53
